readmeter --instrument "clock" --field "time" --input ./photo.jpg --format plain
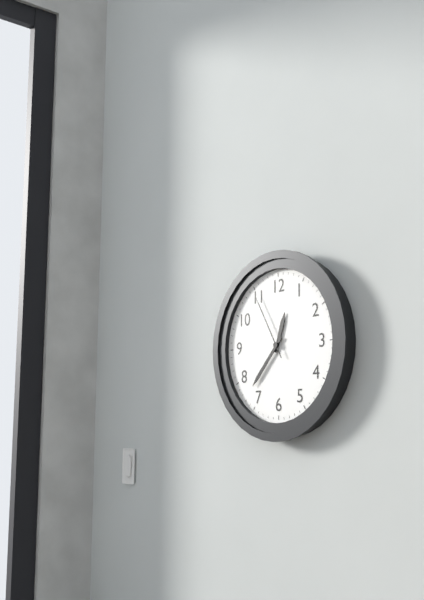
12:37:55
